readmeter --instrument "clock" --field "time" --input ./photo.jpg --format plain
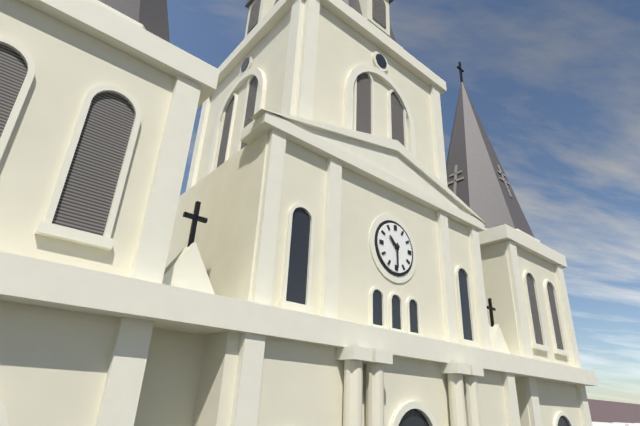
10:30
